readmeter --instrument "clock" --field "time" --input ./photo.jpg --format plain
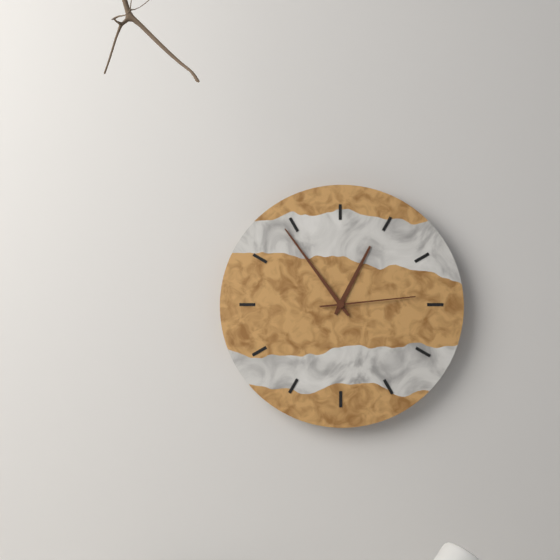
12:54:14
